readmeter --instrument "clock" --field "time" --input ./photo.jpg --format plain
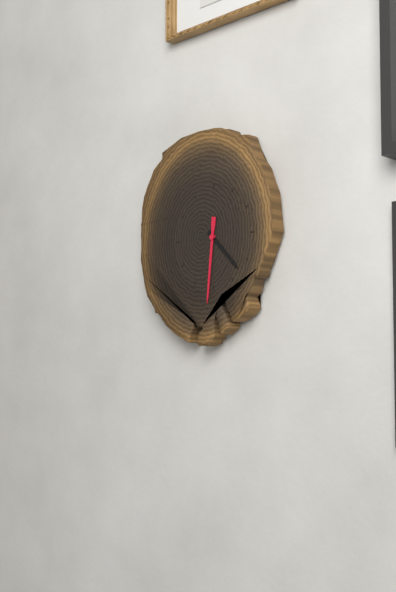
4:31
